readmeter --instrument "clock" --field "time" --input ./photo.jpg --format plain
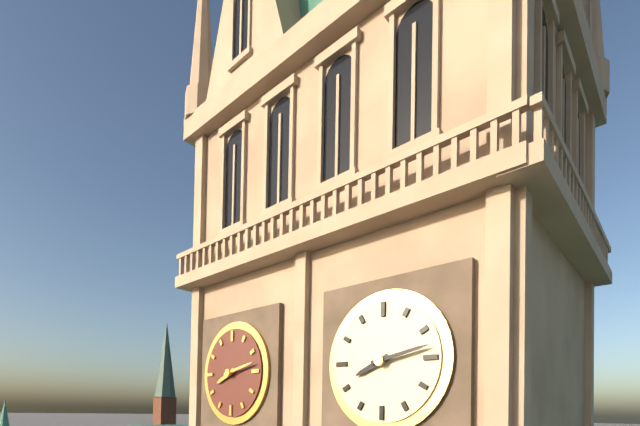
8:13
